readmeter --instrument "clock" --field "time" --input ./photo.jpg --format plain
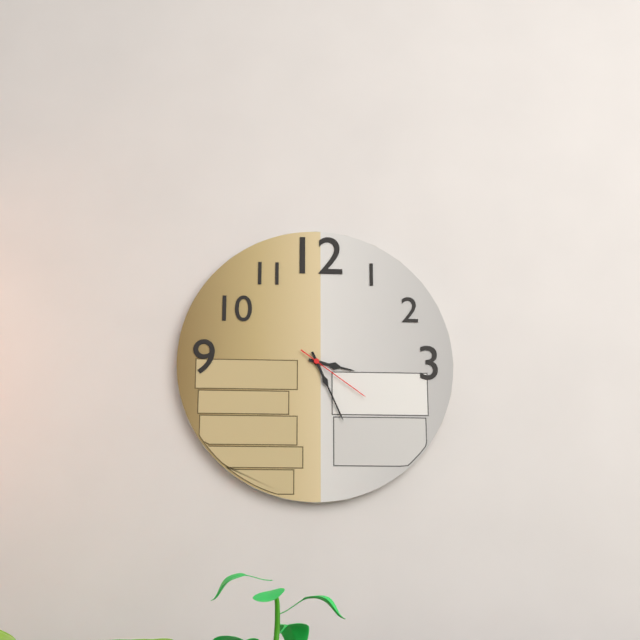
3:26:21
